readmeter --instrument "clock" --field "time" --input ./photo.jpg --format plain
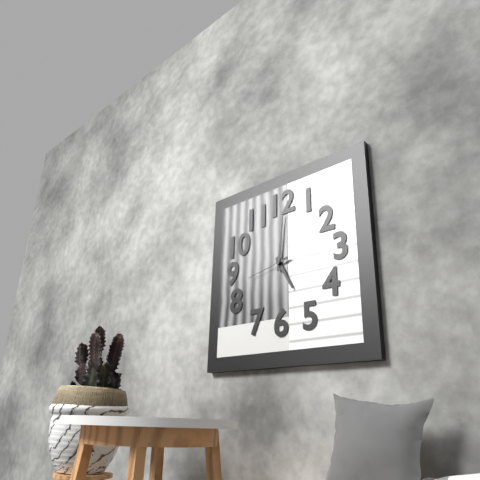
5:01
